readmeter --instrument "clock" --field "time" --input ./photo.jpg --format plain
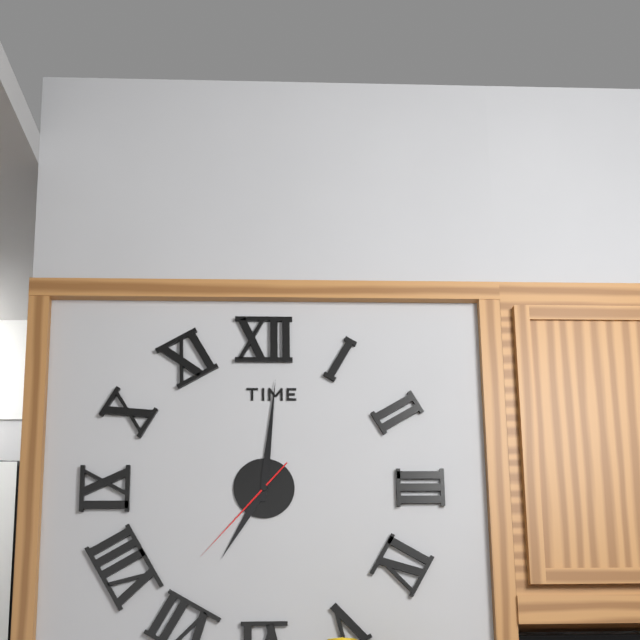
7:01:37
